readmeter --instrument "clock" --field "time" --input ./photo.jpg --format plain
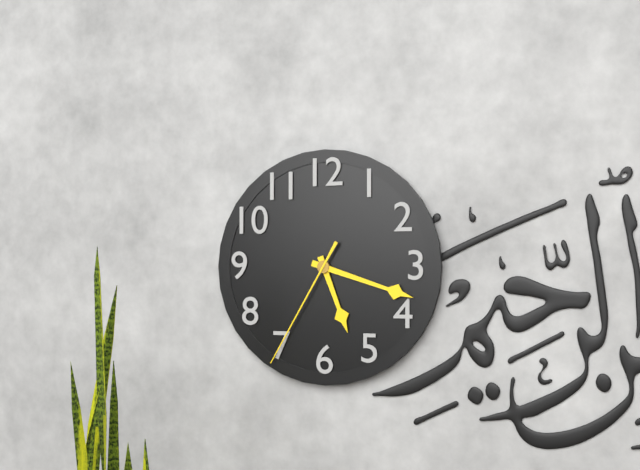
5:18:35
